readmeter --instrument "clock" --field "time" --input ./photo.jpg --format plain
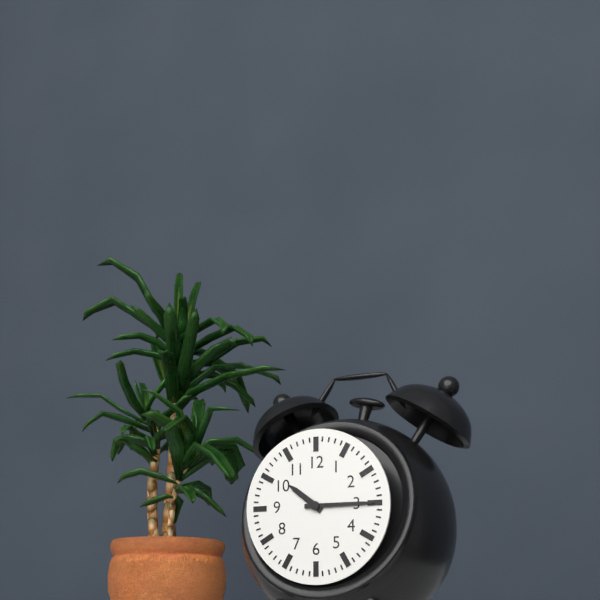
10:15
